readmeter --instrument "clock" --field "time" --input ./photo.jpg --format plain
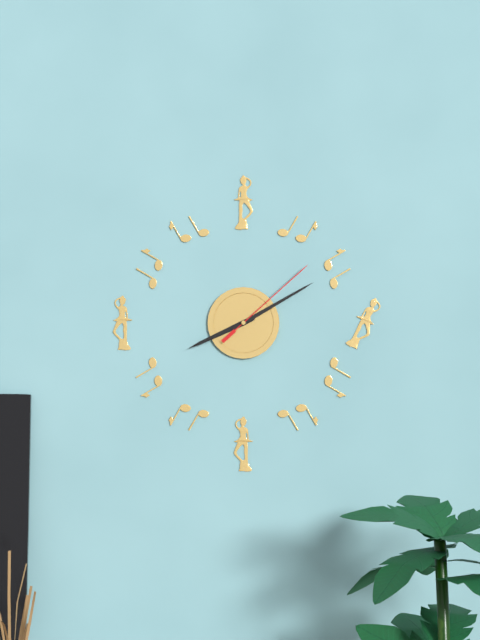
8:10:08
